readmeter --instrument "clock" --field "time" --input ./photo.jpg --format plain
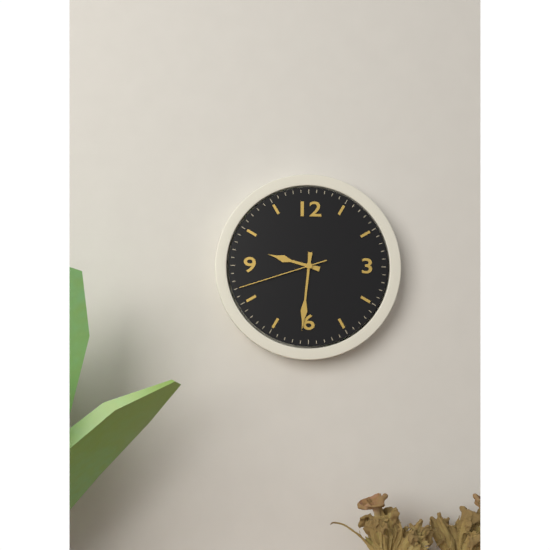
9:31:42
